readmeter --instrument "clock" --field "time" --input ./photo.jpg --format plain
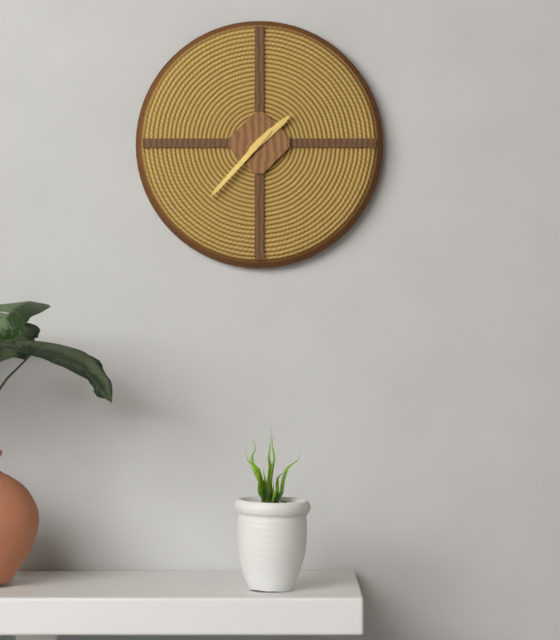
1:37
